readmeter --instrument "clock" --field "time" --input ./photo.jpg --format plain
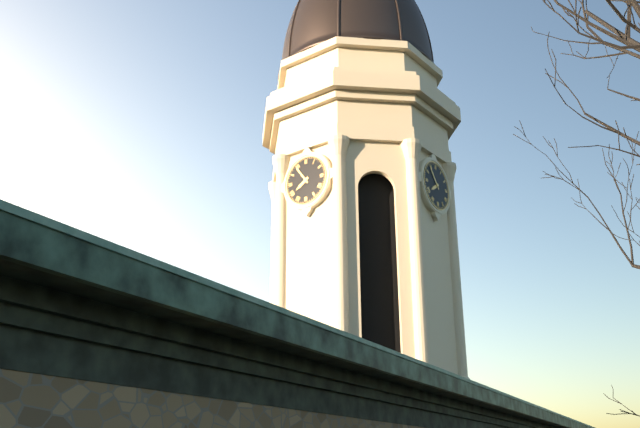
7:54
